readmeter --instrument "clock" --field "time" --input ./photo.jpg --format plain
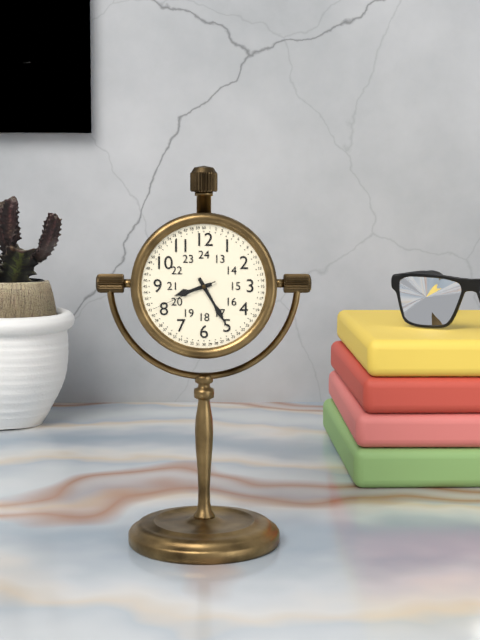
8:25:41
